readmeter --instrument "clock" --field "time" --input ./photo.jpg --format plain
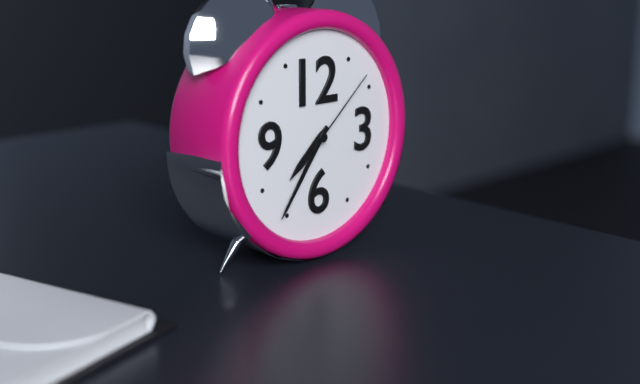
7:36:08
